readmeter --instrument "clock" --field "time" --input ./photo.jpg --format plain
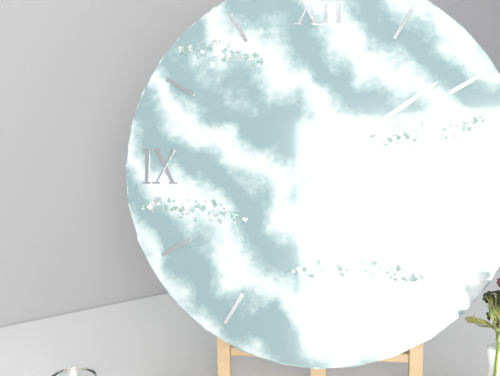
2:09
